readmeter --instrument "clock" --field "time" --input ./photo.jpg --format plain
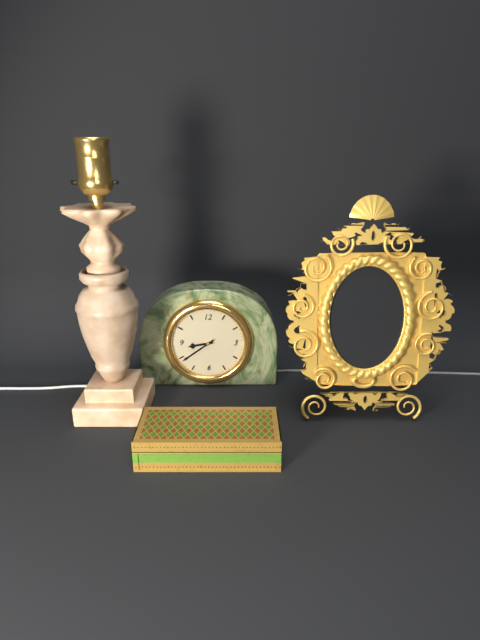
8:39
